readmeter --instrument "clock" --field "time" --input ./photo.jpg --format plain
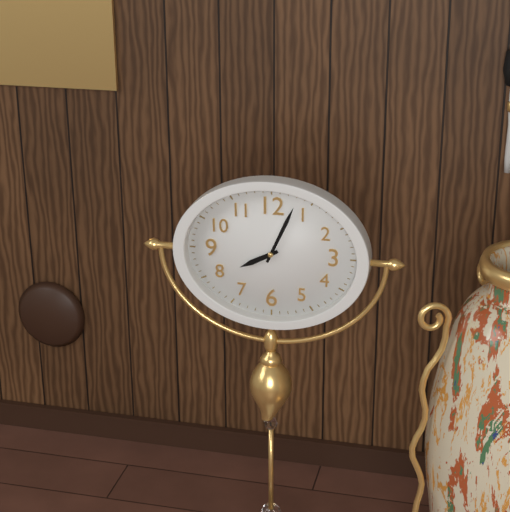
8:04
